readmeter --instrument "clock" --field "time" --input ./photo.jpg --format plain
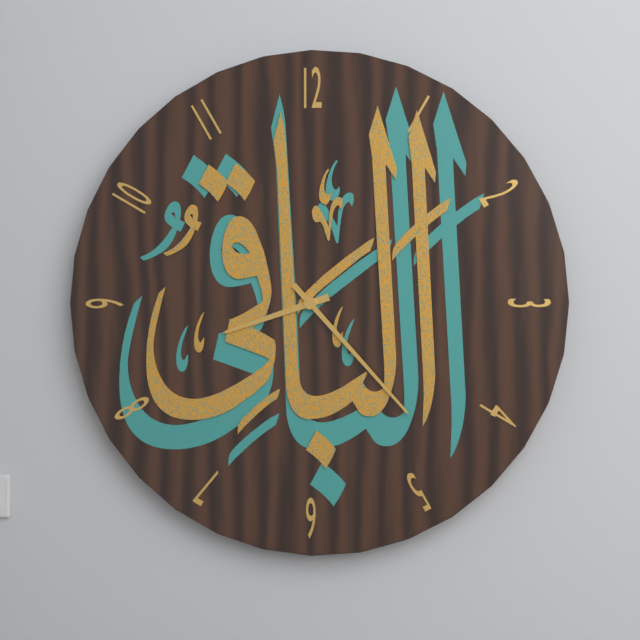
8:23
